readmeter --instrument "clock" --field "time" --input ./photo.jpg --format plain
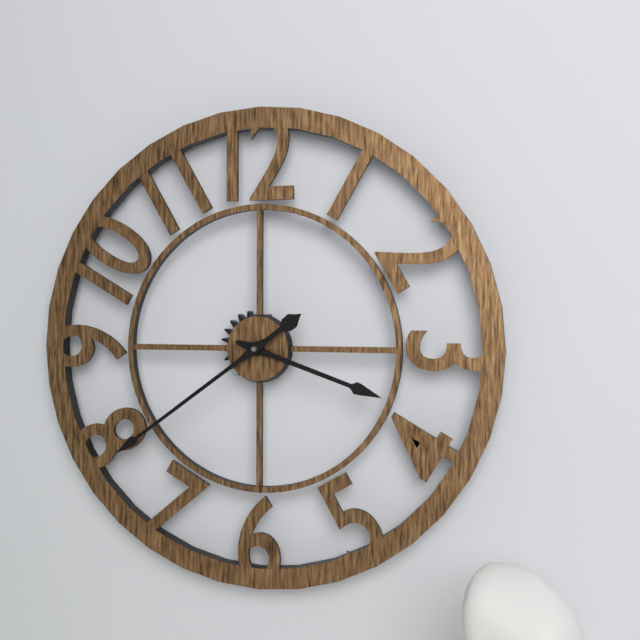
3:39
